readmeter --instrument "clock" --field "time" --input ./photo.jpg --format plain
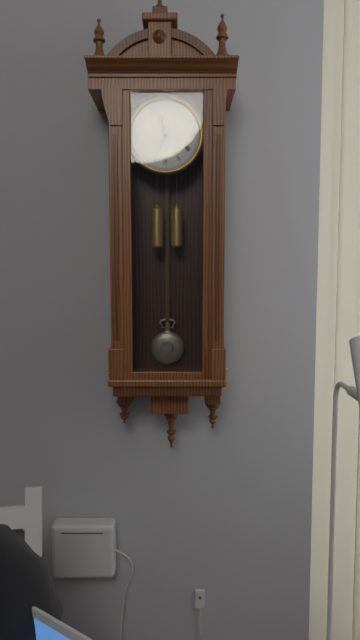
11:34
